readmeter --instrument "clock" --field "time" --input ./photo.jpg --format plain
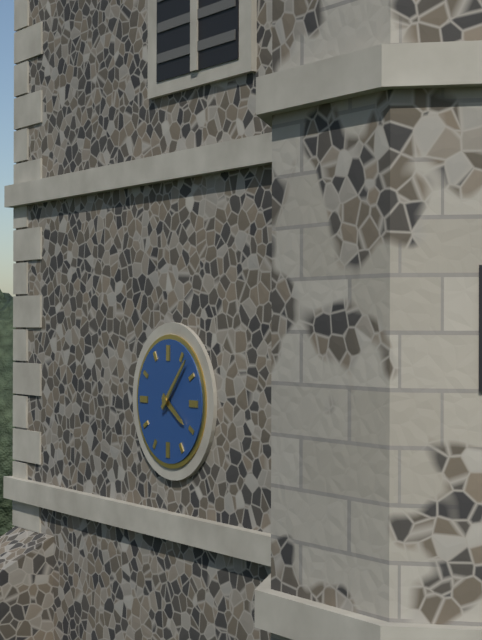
4:07
